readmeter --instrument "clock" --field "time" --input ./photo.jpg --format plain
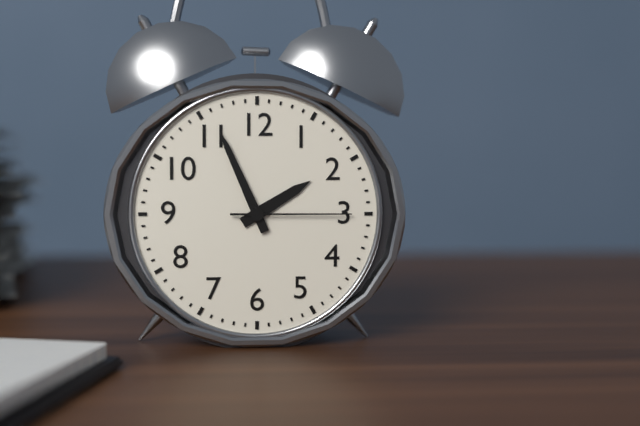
1:56:15
